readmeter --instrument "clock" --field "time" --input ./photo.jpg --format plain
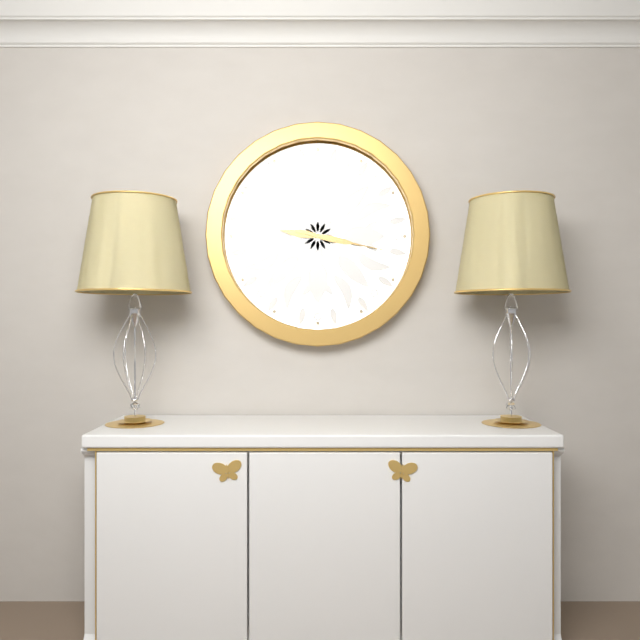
9:17
